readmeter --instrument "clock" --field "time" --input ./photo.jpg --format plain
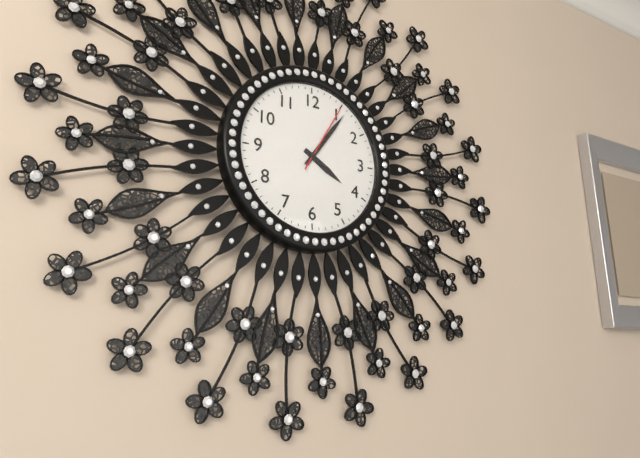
4:06:05
